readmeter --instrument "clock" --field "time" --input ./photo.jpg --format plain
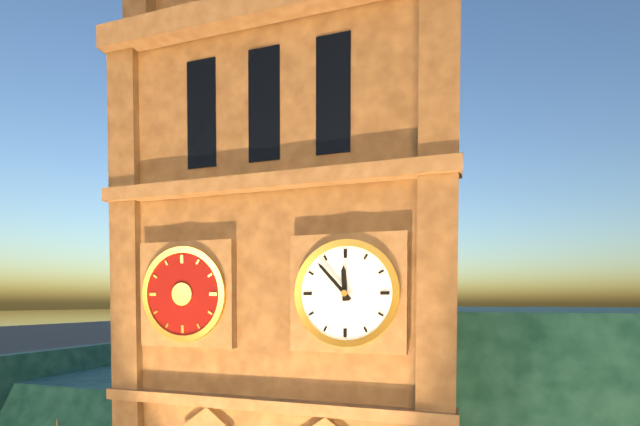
11:53
